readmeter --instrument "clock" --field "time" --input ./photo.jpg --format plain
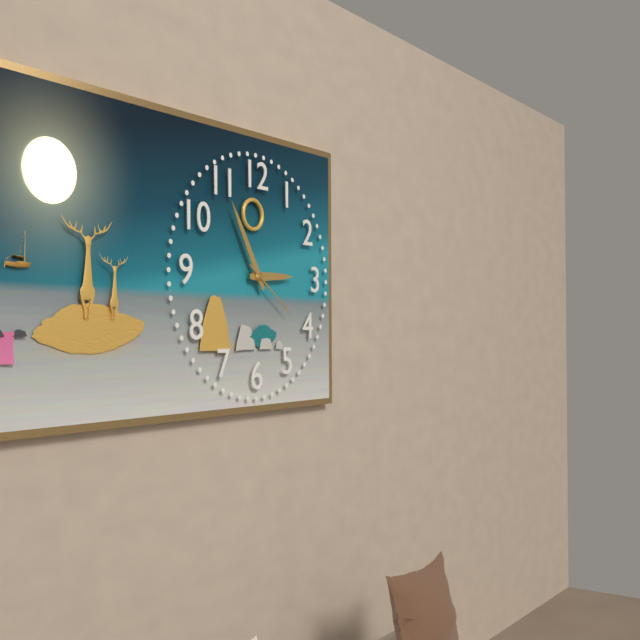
2:55:21
